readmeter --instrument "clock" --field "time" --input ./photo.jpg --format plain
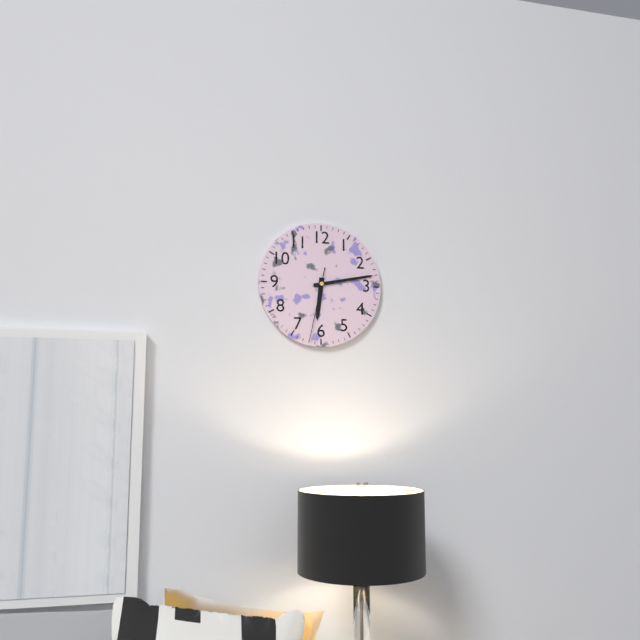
6:13:32
